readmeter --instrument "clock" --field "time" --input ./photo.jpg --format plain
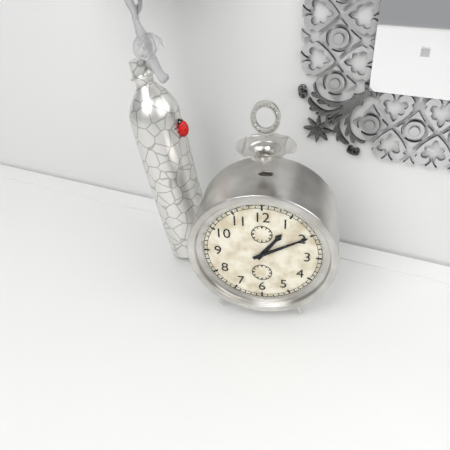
1:10
